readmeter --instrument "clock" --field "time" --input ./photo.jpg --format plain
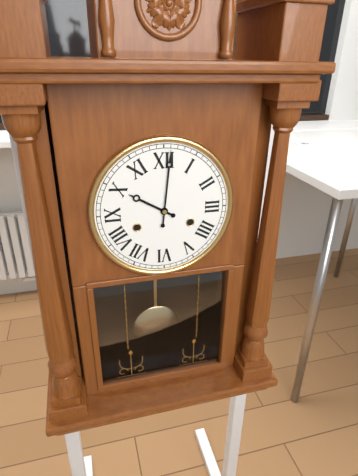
10:01
